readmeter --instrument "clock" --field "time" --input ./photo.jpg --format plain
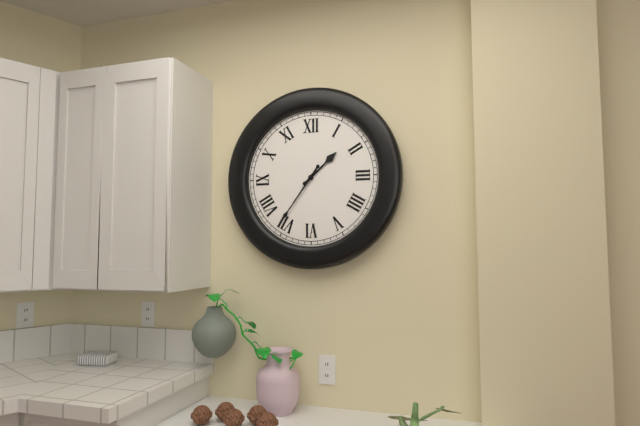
1:36
